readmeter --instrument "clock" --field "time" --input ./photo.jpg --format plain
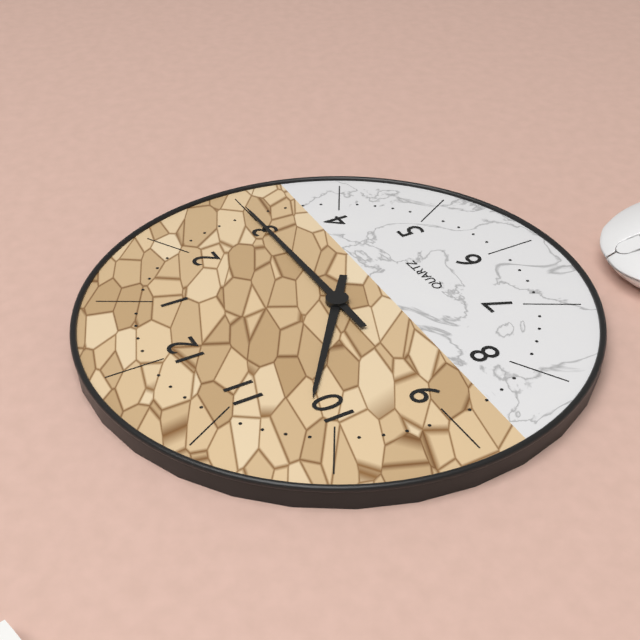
10:15
